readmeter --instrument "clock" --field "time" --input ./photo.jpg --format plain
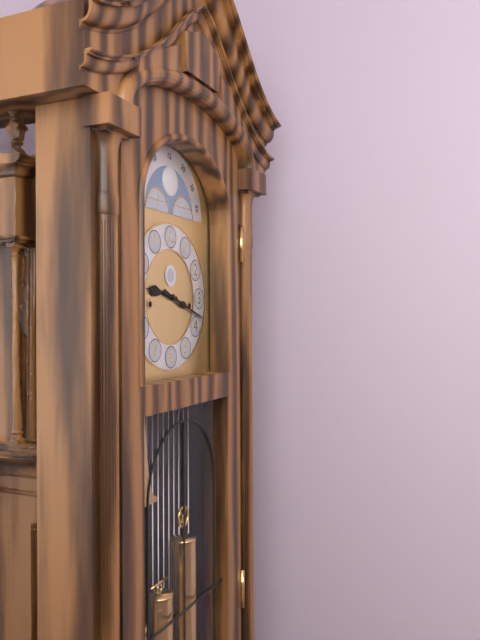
9:18
